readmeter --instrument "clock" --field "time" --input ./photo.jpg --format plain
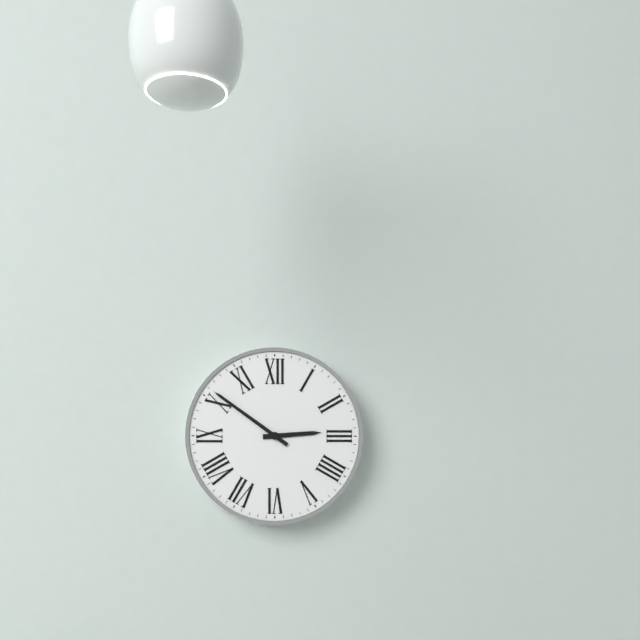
2:51
